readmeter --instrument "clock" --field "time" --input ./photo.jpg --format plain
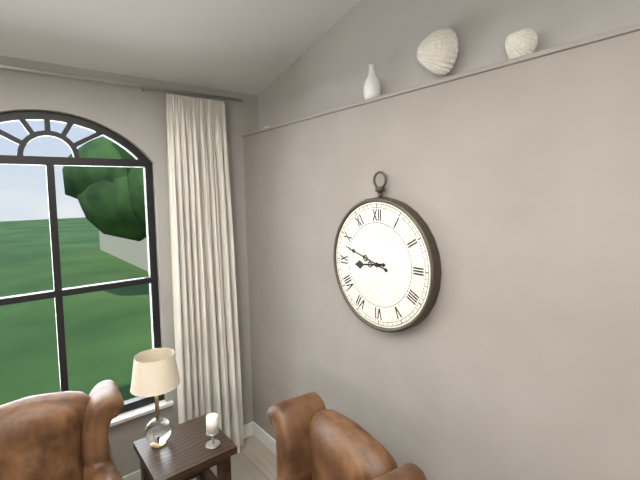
8:48
